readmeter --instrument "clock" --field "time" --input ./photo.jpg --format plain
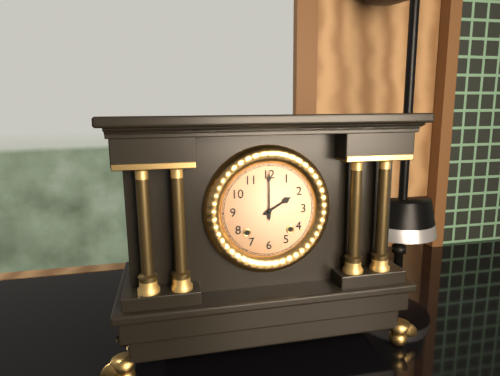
2:00
